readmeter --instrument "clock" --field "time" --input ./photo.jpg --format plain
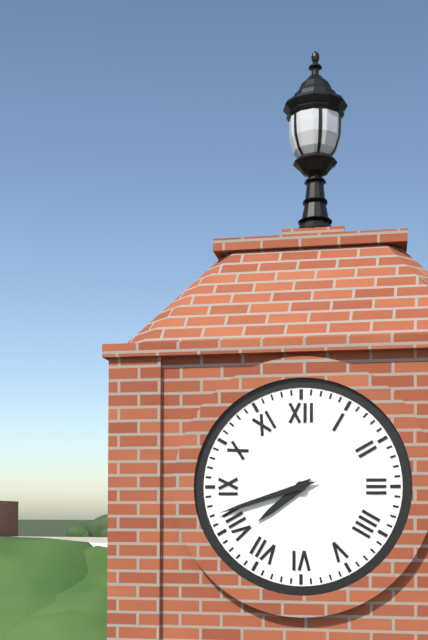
7:42
